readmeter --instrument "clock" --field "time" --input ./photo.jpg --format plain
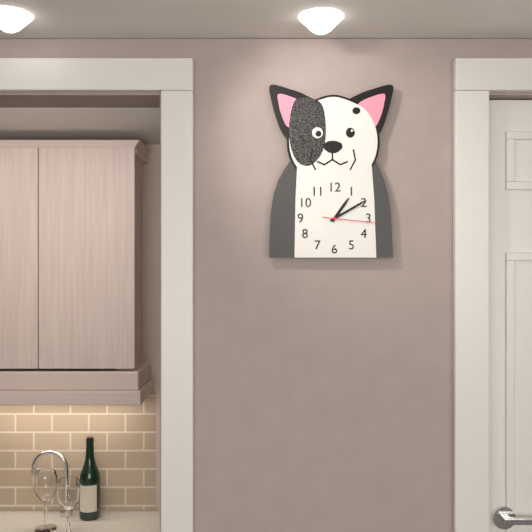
1:10:16
